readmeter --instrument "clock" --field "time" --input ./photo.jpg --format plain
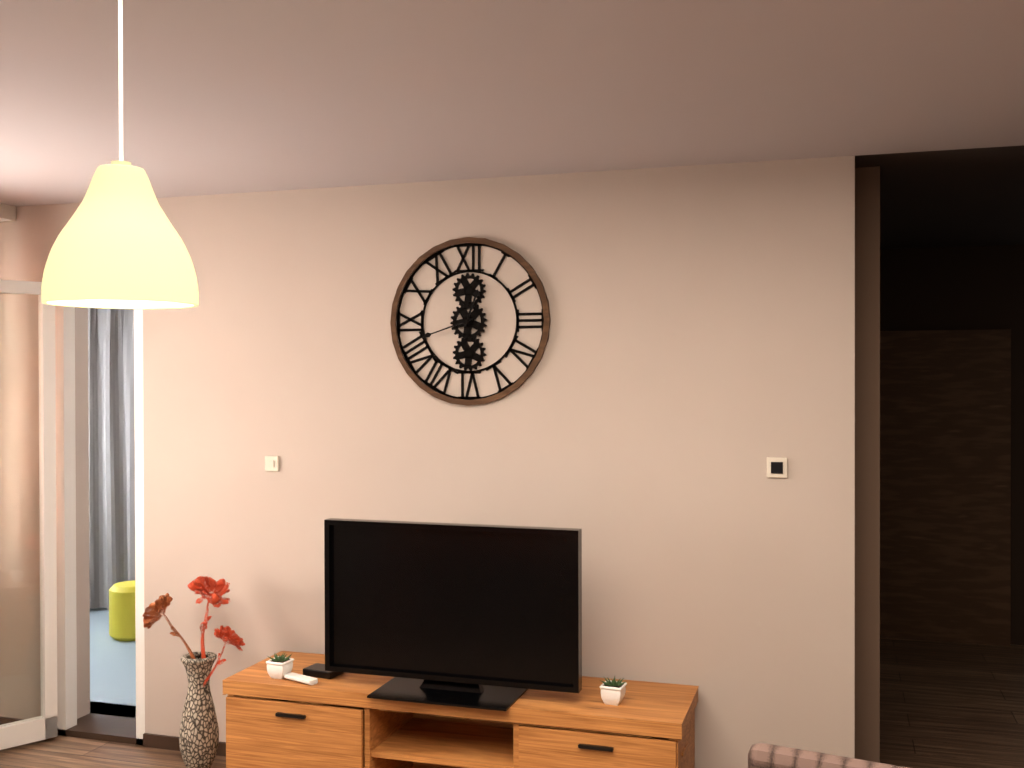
12:42
